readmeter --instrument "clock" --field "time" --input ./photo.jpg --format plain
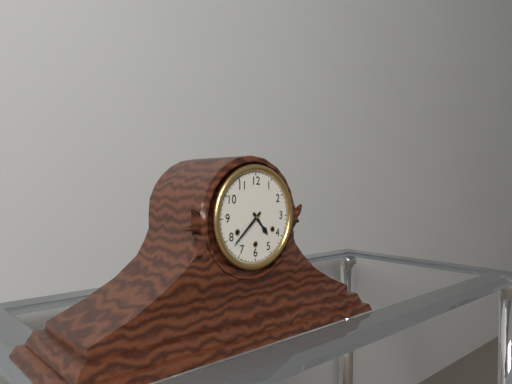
4:38
